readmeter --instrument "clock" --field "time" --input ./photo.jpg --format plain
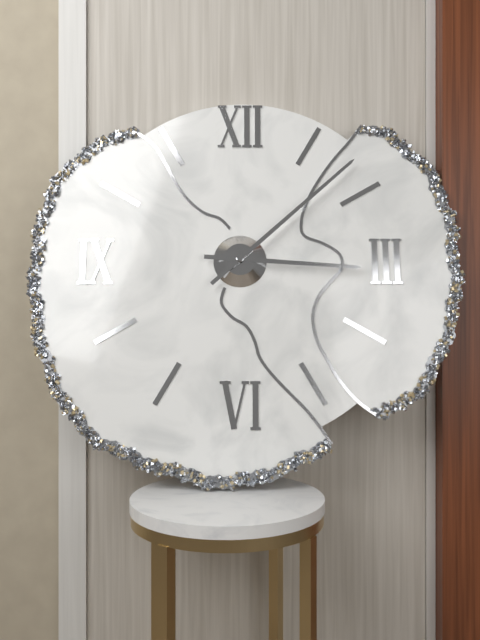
3:08
